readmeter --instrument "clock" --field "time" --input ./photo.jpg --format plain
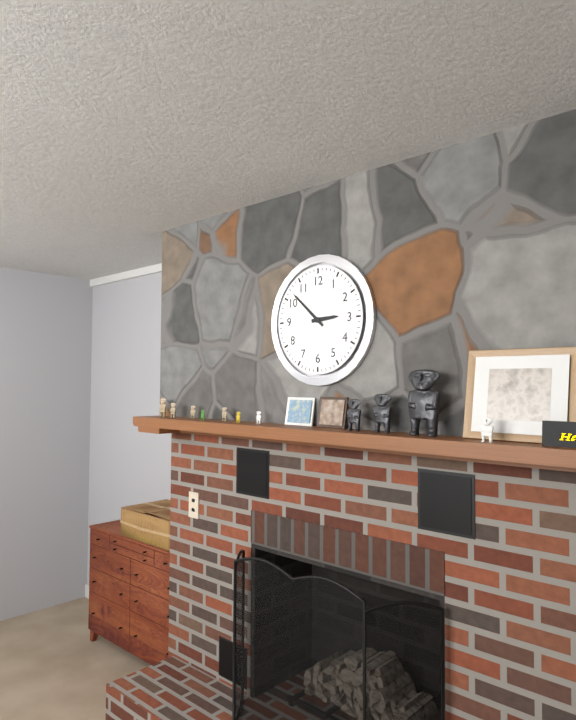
2:52
